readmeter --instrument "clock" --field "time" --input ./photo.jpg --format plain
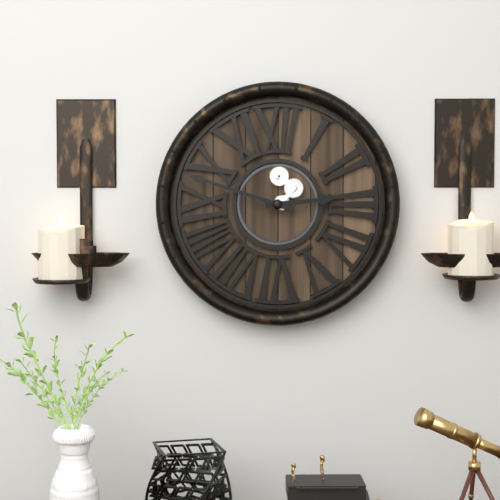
2:48
